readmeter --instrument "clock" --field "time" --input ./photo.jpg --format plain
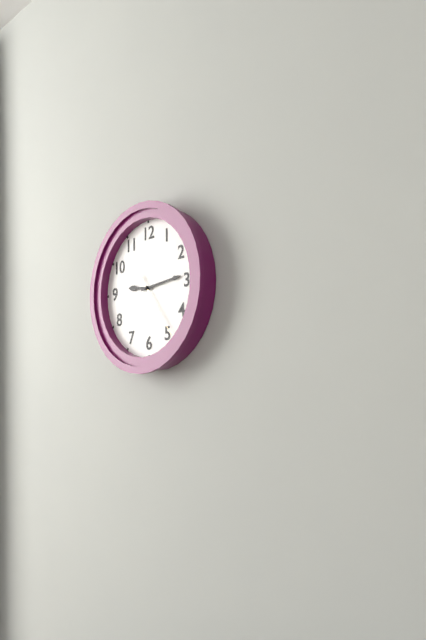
9:14:24
